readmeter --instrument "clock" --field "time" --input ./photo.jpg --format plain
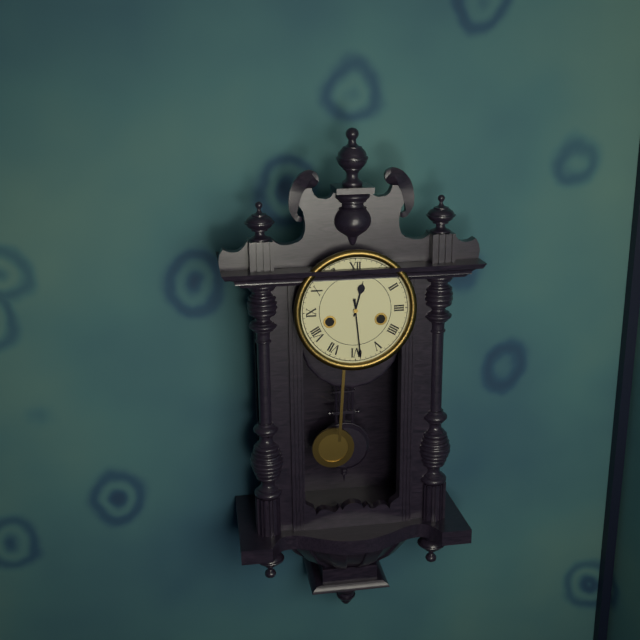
12:29
